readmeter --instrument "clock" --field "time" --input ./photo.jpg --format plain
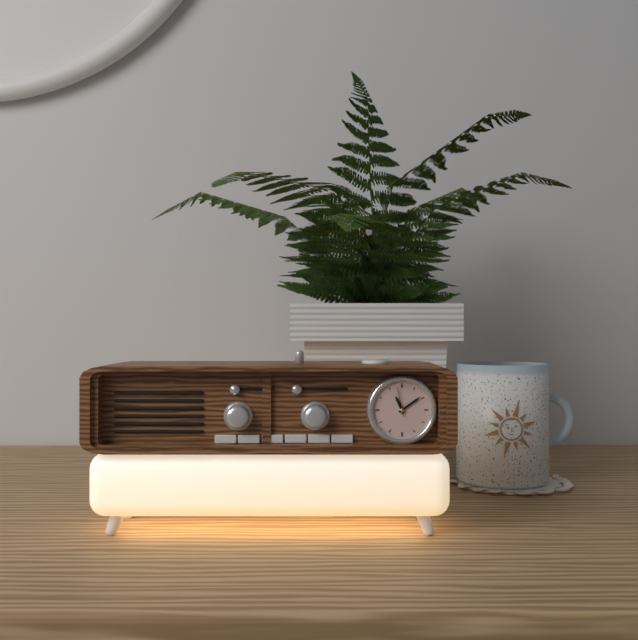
11:09
